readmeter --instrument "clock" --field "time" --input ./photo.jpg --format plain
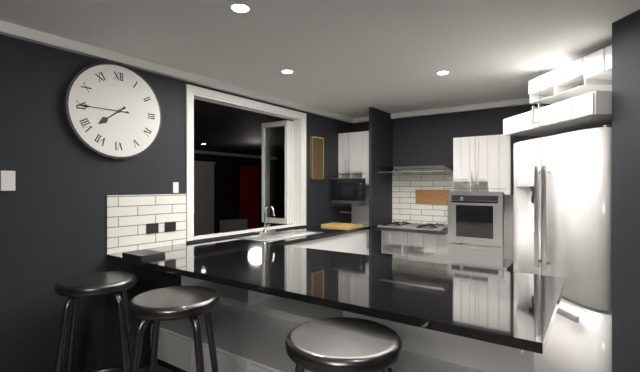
7:45
